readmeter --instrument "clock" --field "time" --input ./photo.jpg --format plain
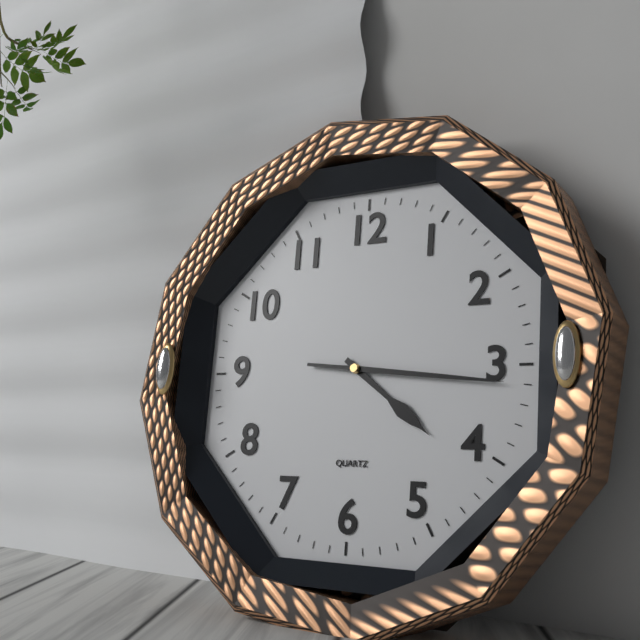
4:16
